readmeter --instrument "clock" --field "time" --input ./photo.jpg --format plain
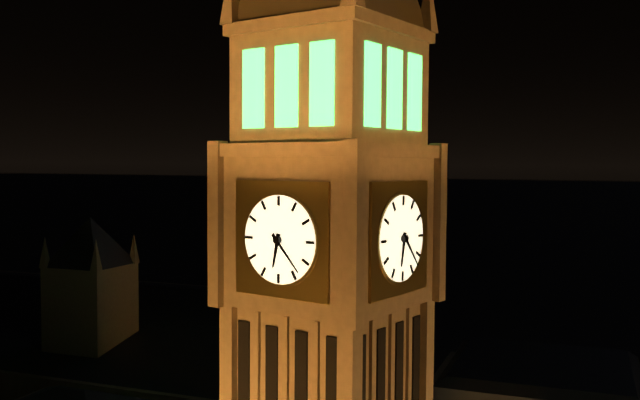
6:23
